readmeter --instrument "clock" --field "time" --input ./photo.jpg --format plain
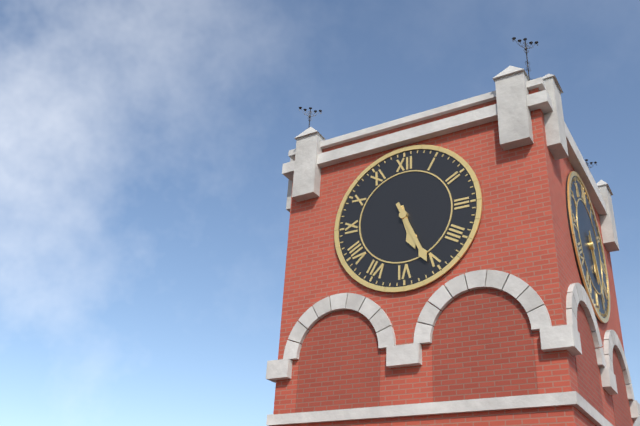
5:26
